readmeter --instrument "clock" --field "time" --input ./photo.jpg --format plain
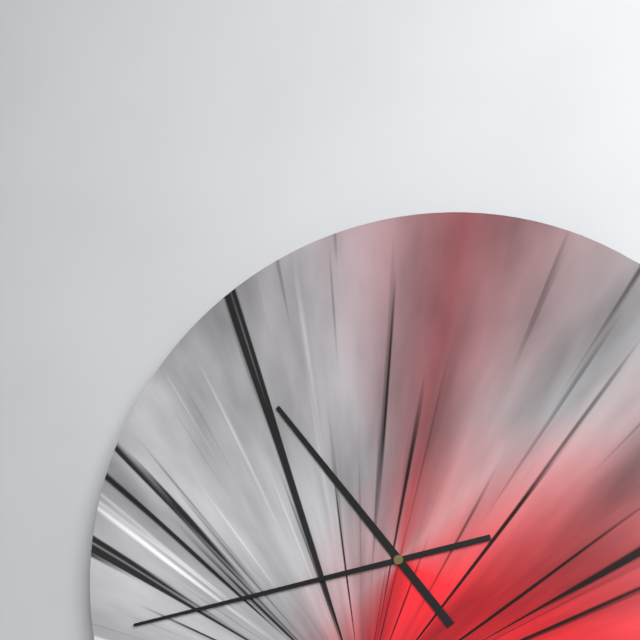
10:43
